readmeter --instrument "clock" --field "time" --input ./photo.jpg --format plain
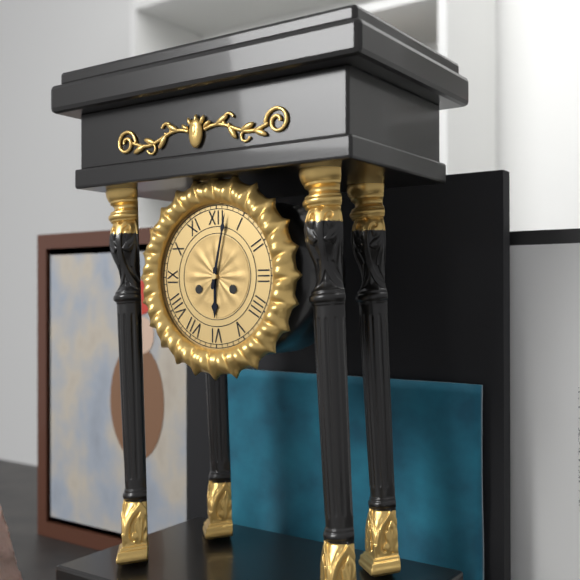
6:02
